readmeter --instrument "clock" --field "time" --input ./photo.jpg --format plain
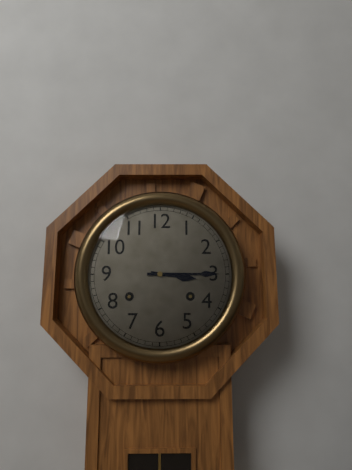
3:15
